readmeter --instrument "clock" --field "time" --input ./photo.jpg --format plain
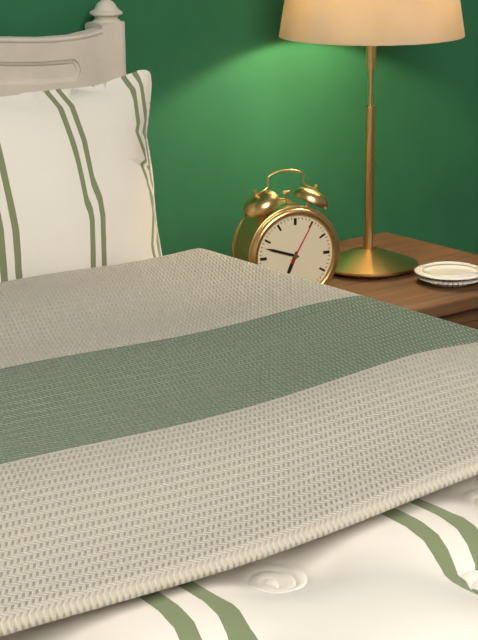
6:48
